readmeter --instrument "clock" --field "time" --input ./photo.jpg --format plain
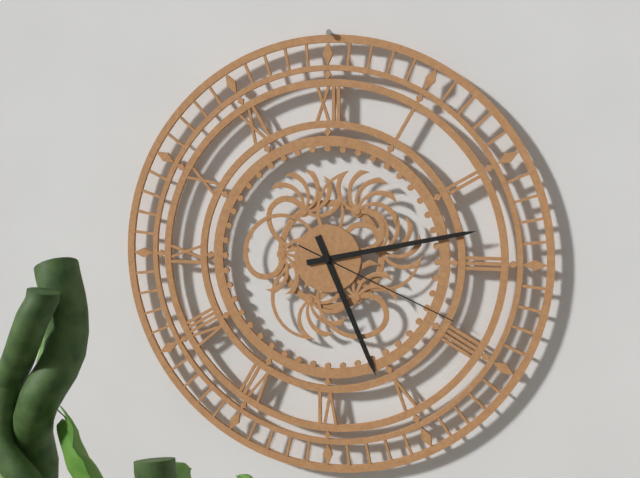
5:13:19
